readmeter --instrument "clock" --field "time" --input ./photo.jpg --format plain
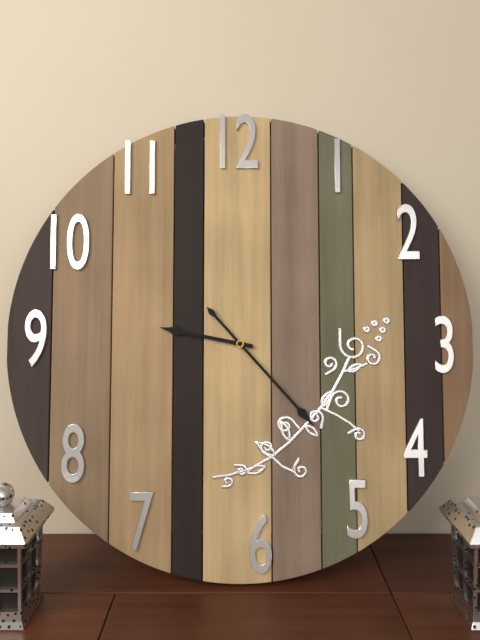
9:23
